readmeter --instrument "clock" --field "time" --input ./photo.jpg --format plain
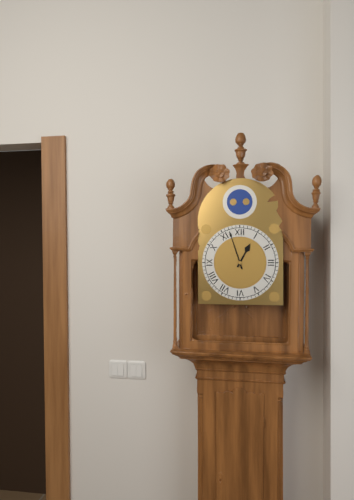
12:57
